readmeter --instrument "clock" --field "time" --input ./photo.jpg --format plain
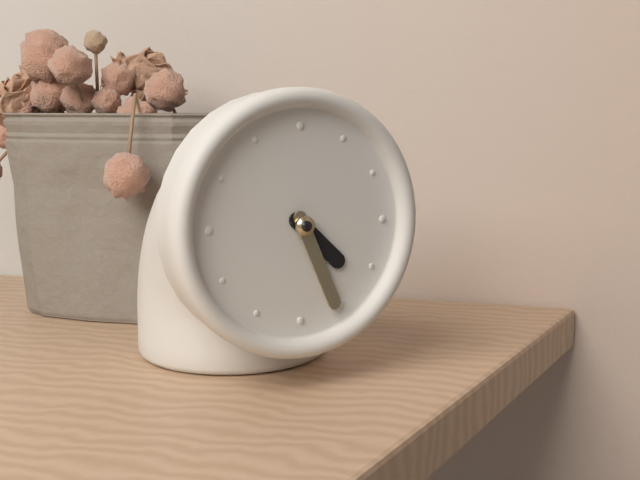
4:26
